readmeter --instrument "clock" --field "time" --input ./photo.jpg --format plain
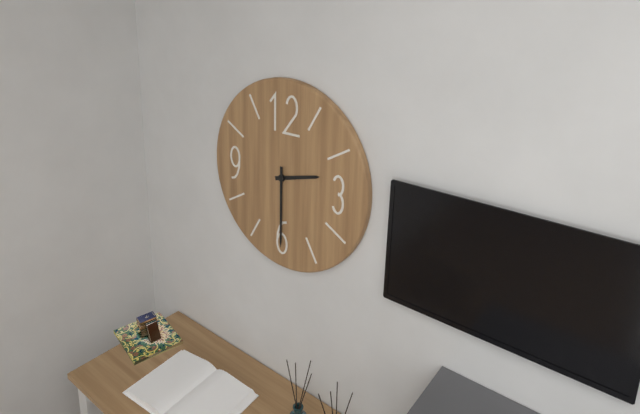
2:30
